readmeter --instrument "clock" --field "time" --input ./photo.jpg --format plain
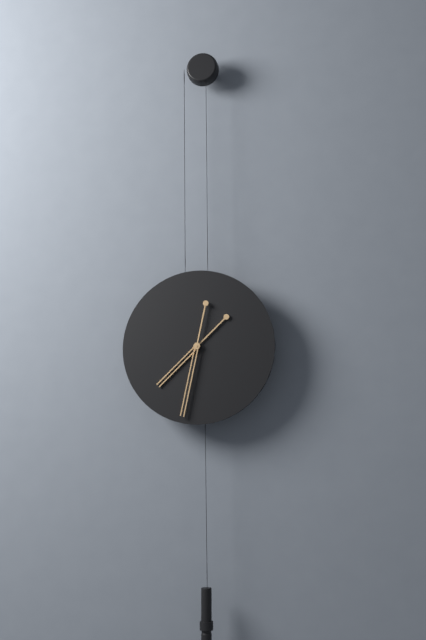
7:32
